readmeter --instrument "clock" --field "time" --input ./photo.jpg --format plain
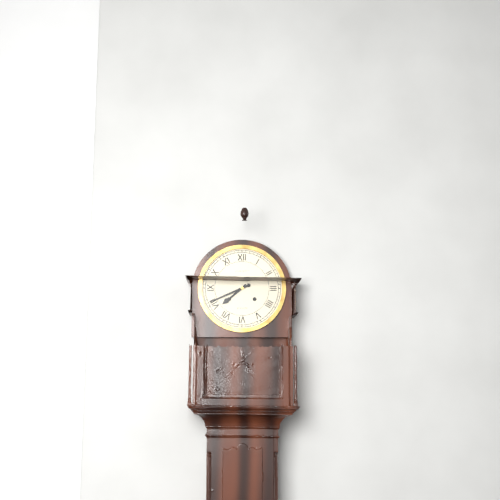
7:41
